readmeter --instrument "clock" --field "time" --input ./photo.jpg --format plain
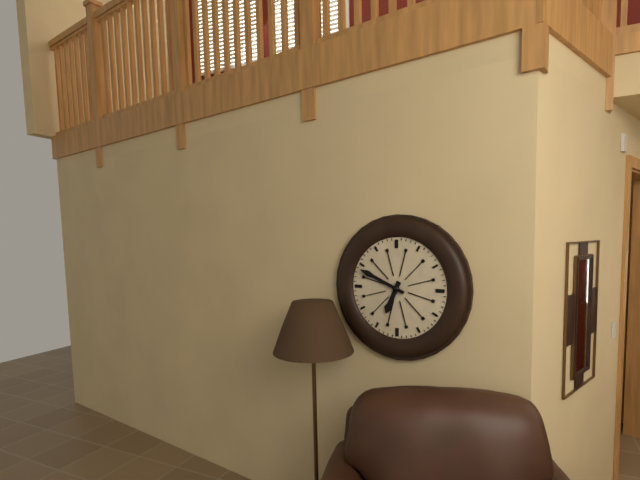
6:49
